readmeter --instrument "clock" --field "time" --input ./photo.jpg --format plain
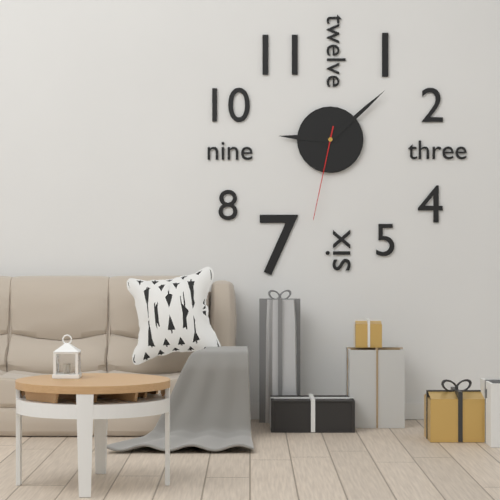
9:08:32
